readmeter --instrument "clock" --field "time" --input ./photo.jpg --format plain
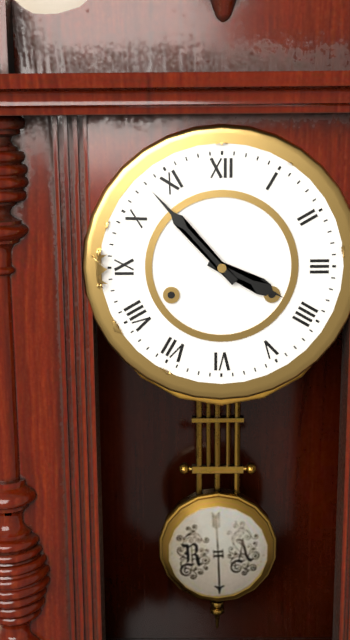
3:53
